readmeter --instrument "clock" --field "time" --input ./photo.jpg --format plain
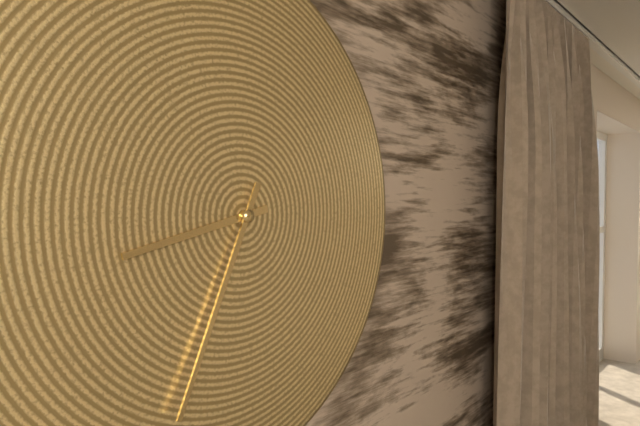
8:34
